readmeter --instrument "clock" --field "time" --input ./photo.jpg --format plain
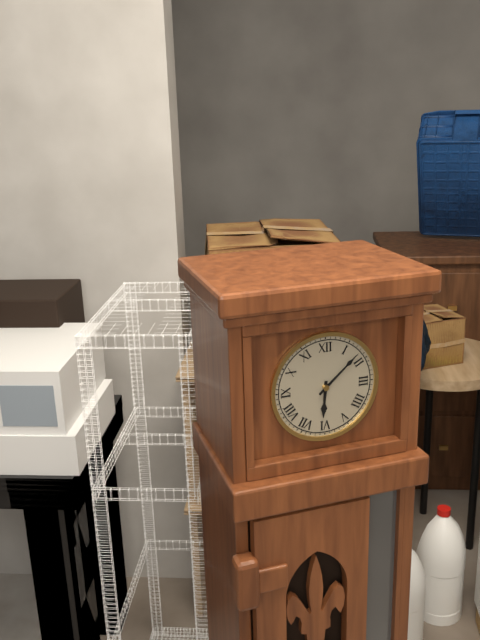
6:08
